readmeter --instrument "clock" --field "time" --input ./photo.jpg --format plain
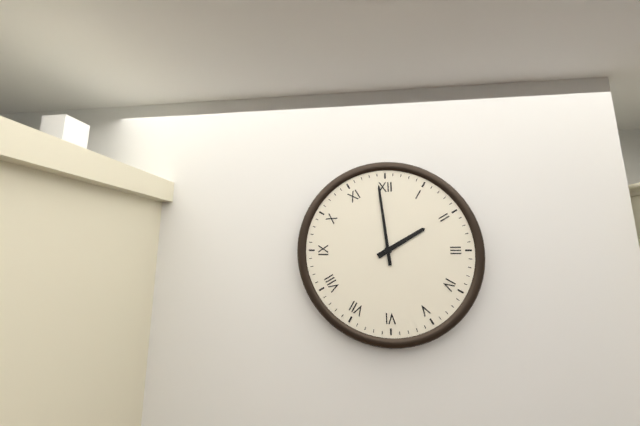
1:59
